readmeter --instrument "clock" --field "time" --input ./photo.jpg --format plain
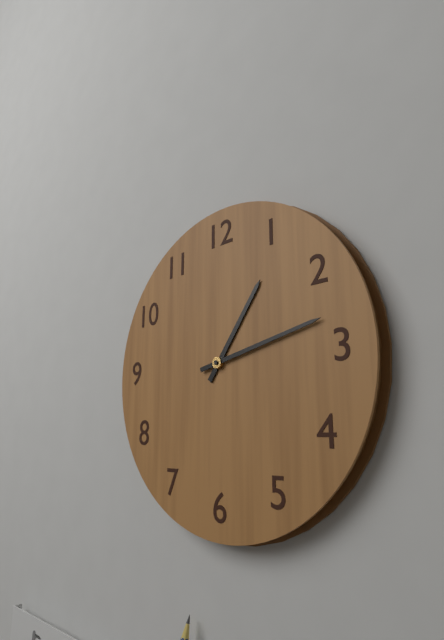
1:13
